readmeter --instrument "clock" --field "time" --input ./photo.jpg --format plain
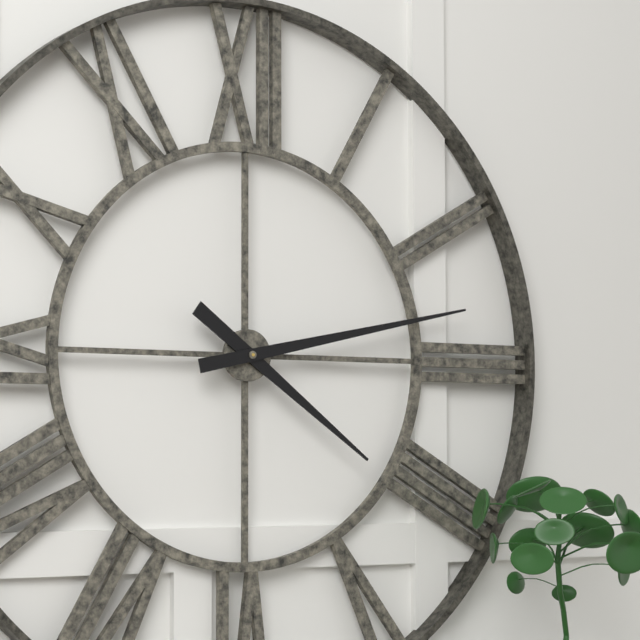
4:13
